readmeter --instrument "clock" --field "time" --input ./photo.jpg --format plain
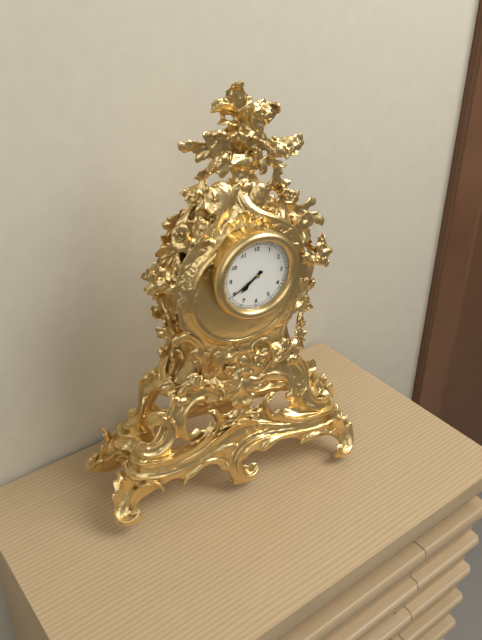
7:40
